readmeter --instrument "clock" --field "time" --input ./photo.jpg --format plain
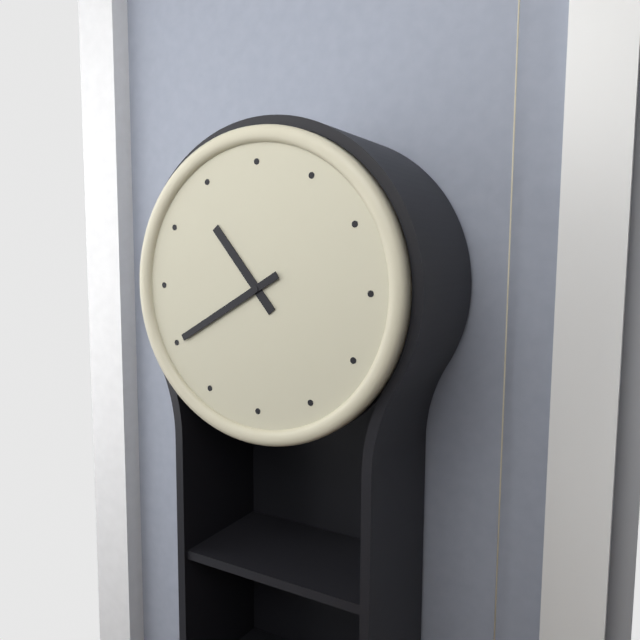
10:40
